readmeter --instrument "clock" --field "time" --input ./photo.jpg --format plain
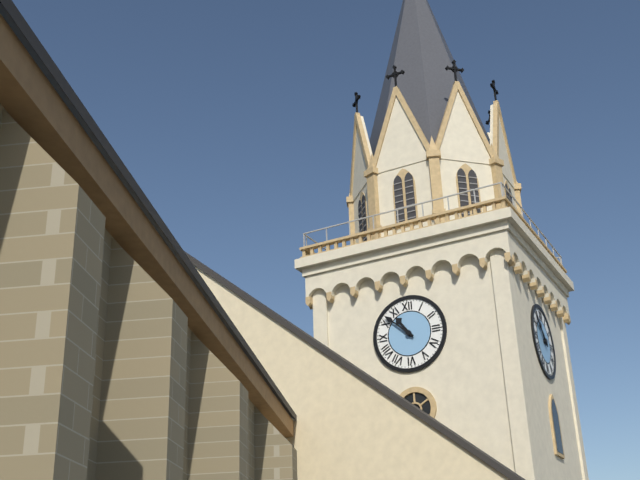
10:52
